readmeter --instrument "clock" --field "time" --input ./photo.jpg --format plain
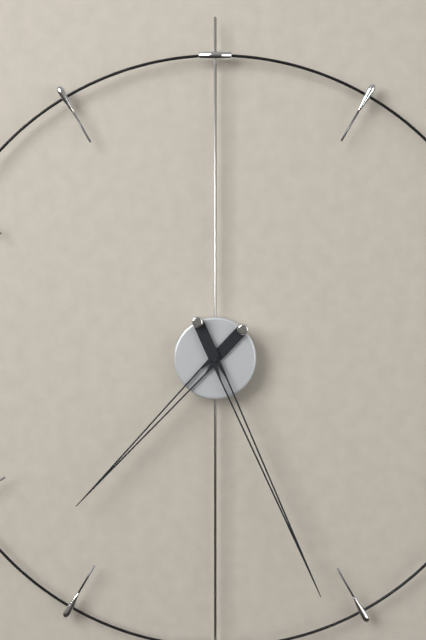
7:26
